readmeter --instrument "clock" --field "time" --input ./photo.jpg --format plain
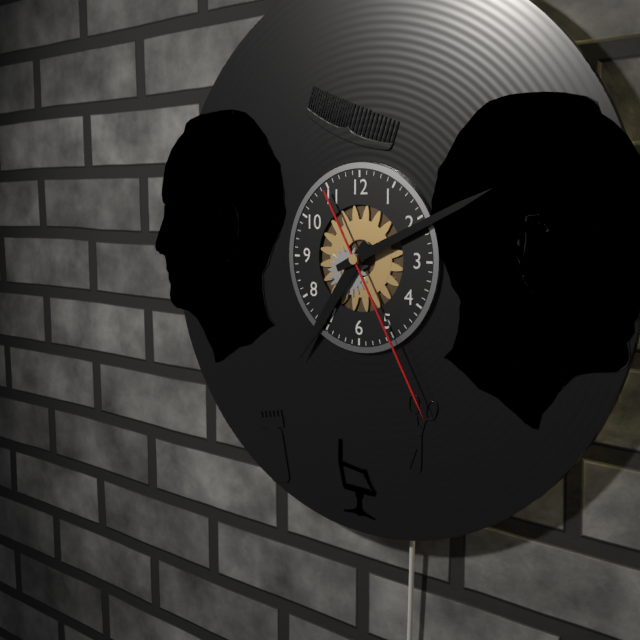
7:11:25
